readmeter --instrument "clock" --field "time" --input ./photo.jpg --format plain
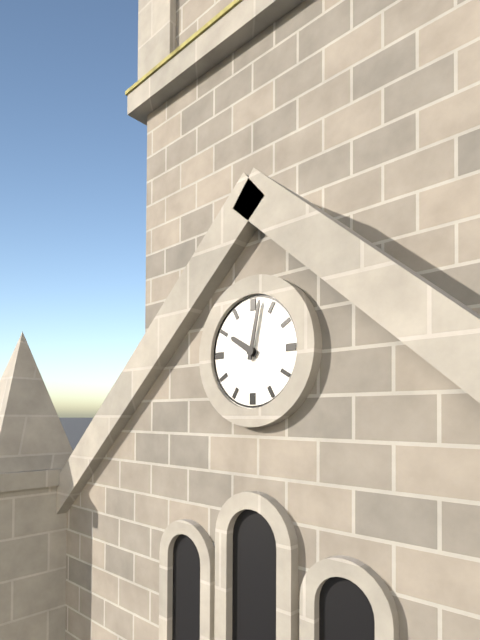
10:02
